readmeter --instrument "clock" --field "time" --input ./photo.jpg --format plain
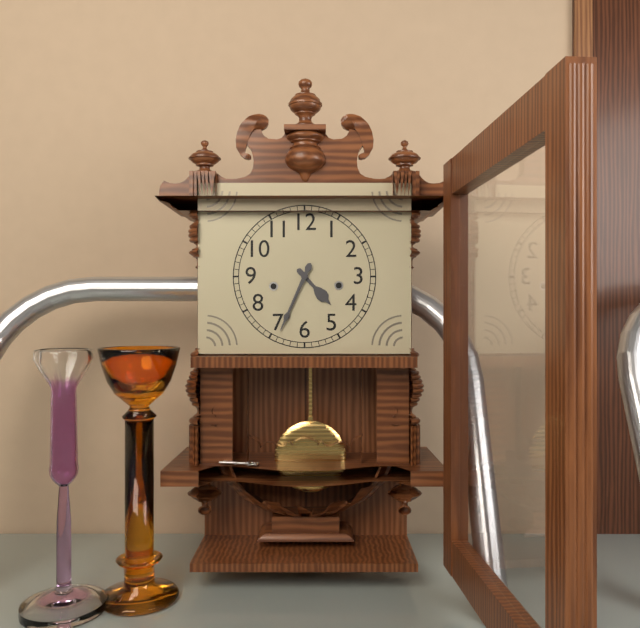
4:34
